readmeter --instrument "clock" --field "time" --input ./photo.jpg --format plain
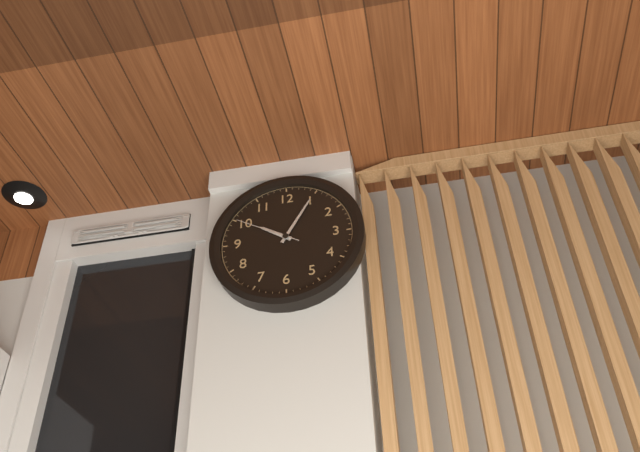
10:05:50
